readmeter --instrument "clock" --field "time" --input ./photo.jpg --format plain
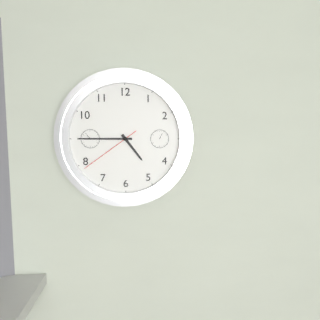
4:45:39
